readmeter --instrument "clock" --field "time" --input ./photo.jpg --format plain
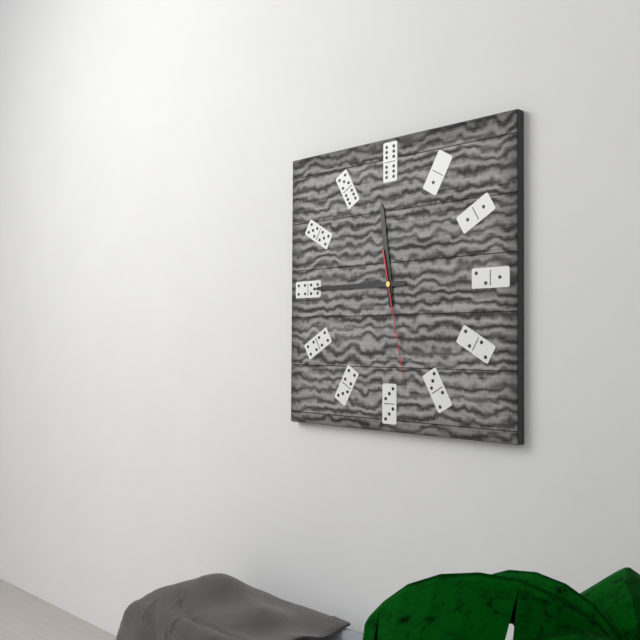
11:45:28
